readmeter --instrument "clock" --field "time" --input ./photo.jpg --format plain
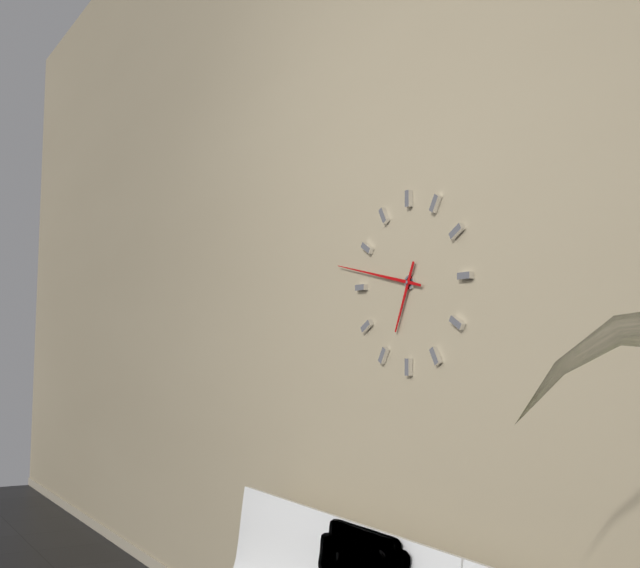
6:47
